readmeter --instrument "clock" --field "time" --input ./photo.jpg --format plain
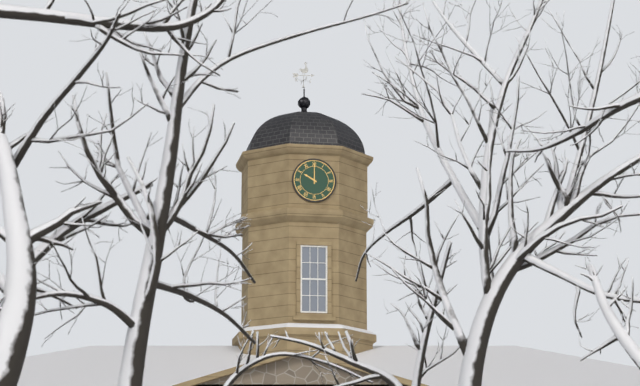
10:00
